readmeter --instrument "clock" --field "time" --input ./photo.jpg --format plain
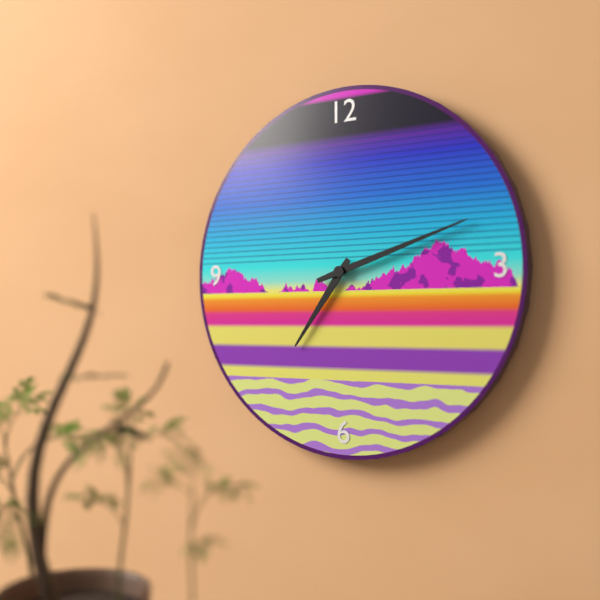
7:12
